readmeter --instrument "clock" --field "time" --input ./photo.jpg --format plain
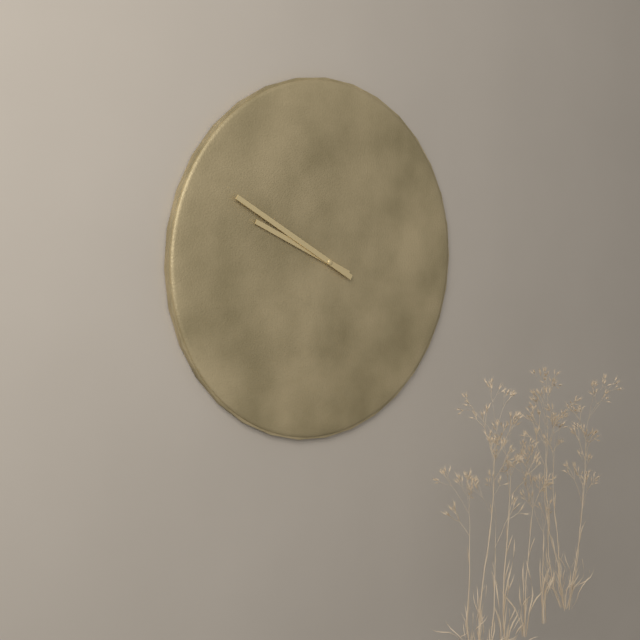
9:50
